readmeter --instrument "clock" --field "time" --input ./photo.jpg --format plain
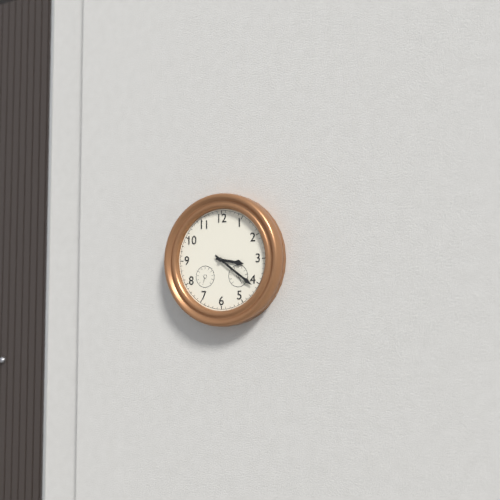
3:21
